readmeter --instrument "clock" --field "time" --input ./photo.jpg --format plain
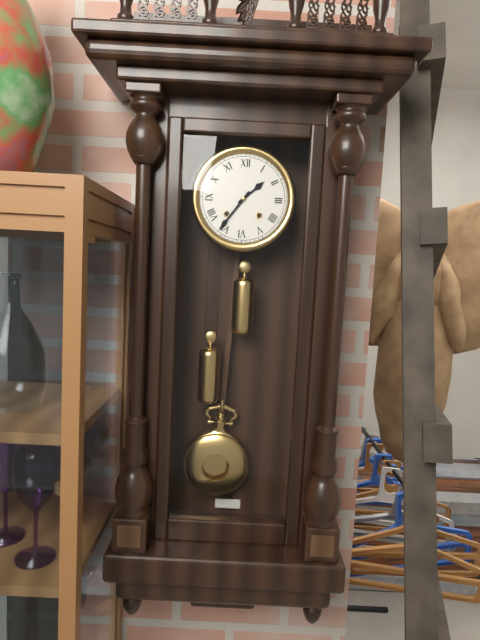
1:36
